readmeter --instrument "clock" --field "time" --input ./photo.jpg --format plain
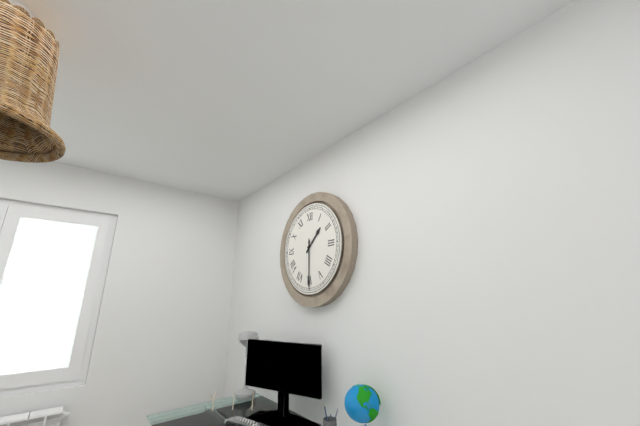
1:30
